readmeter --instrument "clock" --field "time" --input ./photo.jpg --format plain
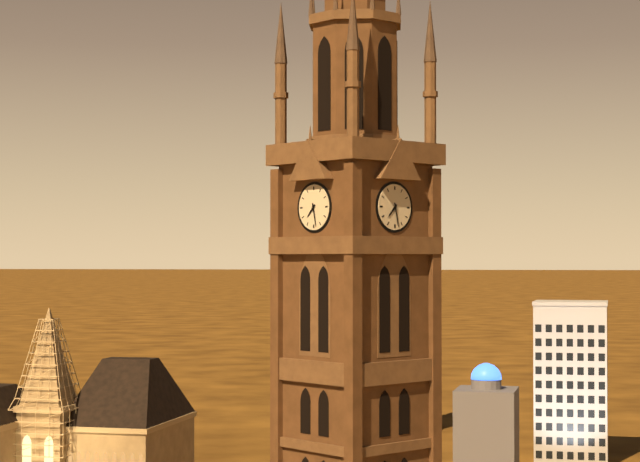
7:28
